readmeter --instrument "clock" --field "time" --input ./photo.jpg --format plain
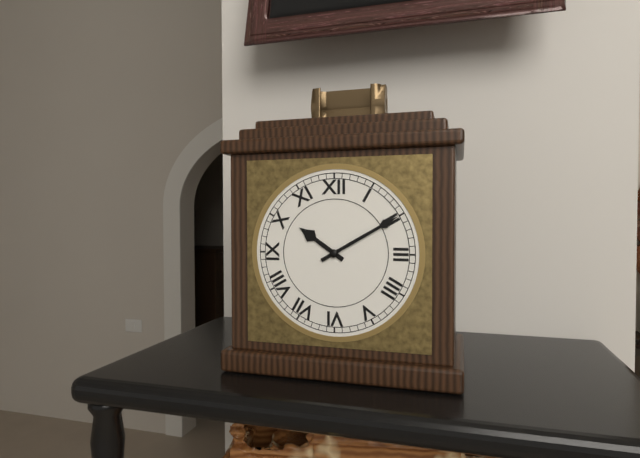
10:10
